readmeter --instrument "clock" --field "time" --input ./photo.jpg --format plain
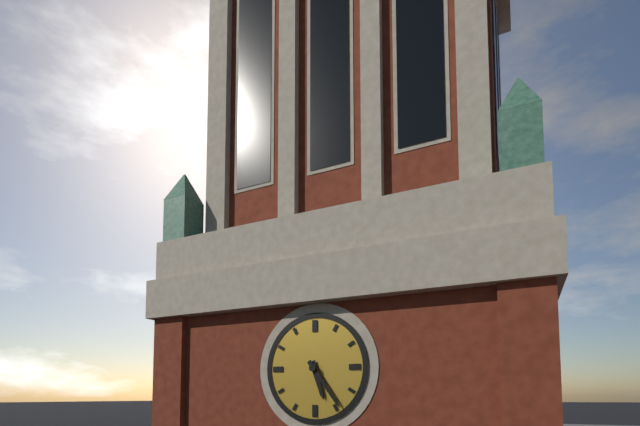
5:24
